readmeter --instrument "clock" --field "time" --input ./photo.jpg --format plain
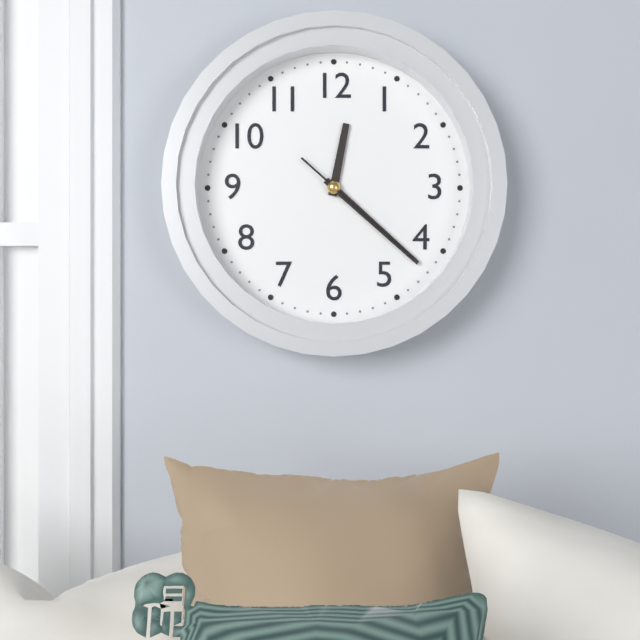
12:22:22
